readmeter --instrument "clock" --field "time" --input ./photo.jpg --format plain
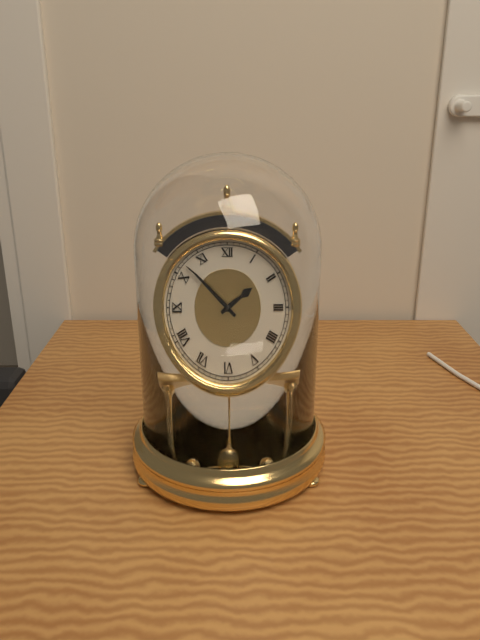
1:52
